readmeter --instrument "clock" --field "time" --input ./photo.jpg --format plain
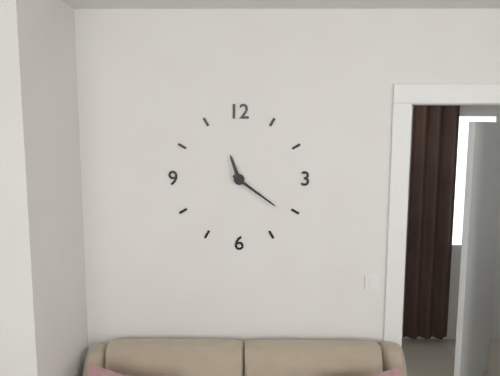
11:21
